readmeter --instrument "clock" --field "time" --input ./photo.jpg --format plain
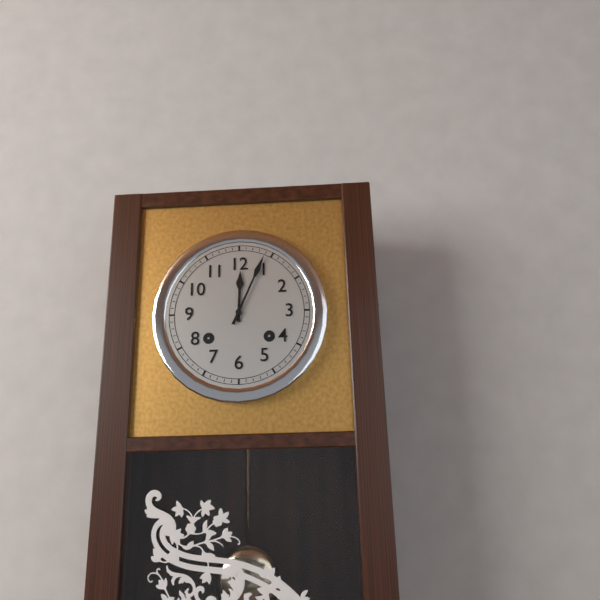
12:04
